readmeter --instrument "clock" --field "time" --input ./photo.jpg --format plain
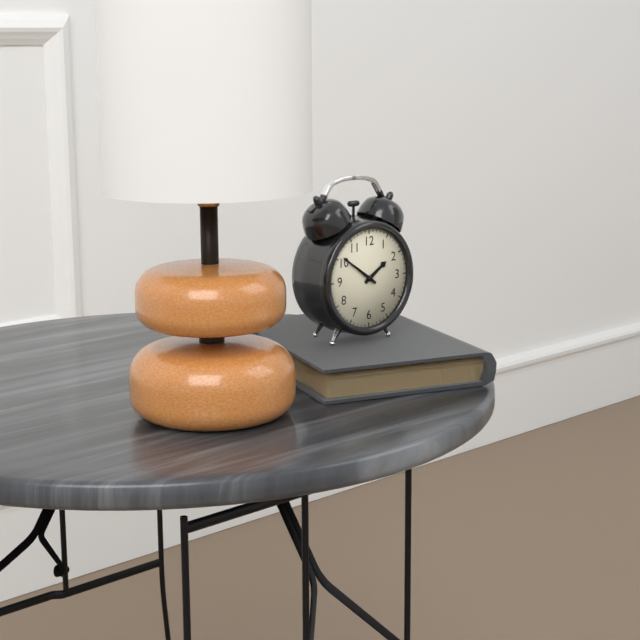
1:51
